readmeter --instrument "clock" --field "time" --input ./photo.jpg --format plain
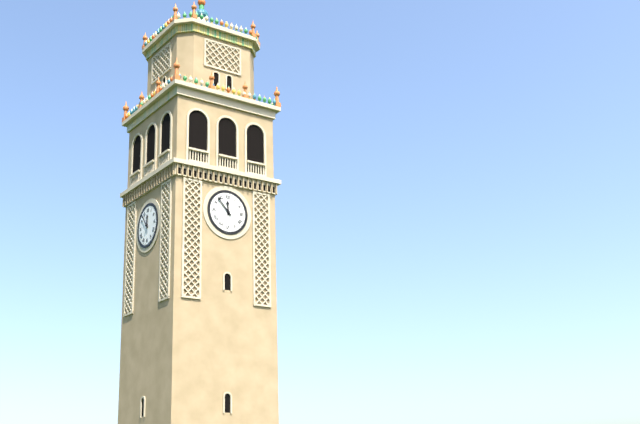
11:53
